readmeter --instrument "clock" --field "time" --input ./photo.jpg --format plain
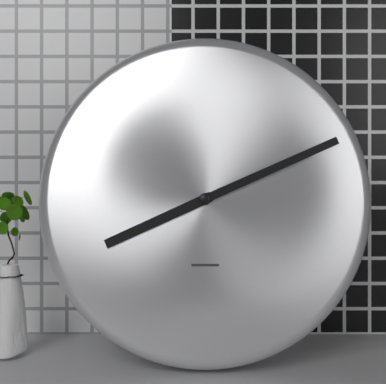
8:11
